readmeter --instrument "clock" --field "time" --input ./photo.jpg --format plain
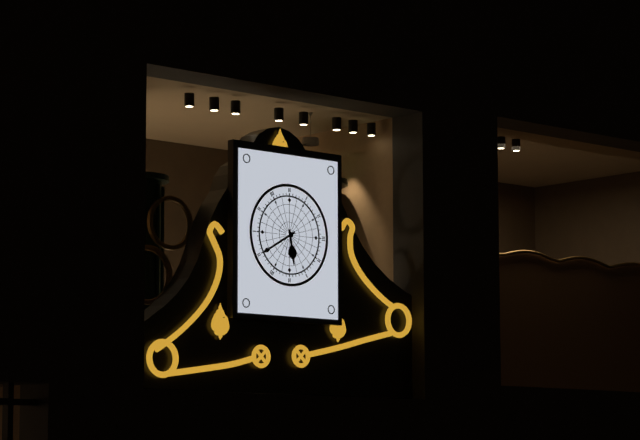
5:40
